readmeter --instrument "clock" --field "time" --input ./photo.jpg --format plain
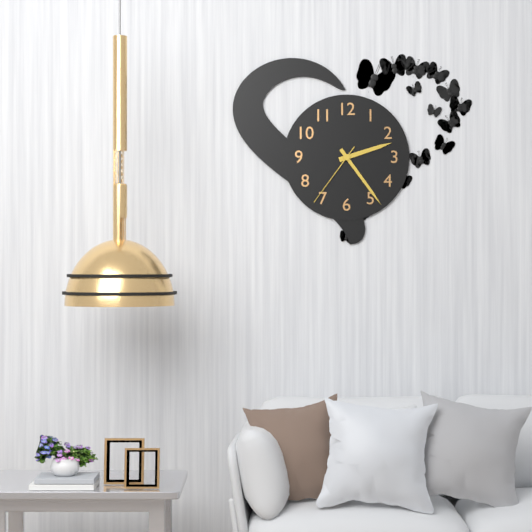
2:24:36
